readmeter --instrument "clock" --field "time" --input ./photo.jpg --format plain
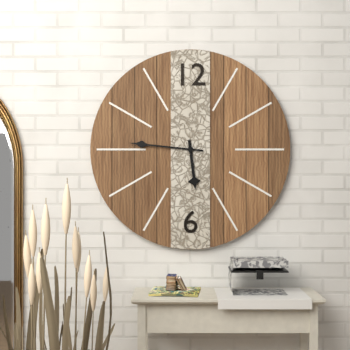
5:46
